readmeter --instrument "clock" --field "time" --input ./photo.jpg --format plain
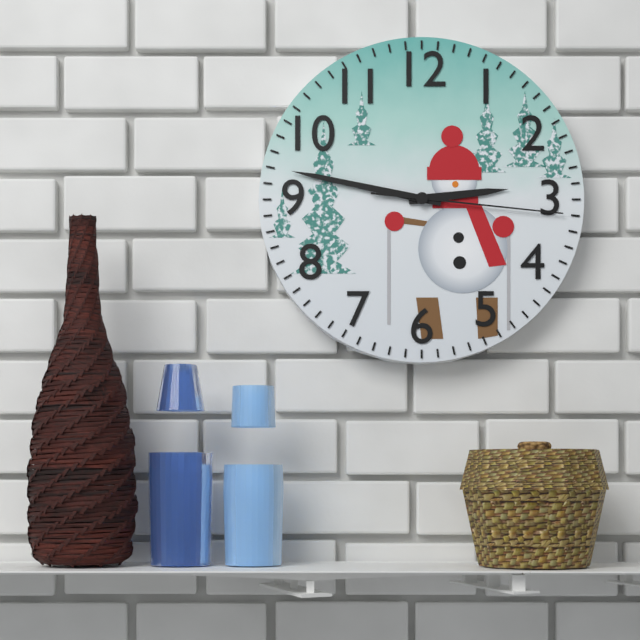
2:47:16
